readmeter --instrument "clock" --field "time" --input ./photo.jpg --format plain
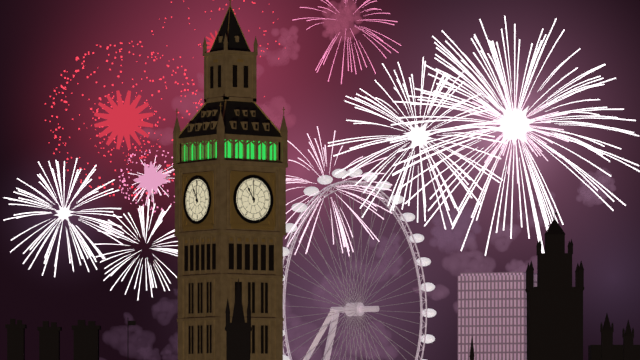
11:00
